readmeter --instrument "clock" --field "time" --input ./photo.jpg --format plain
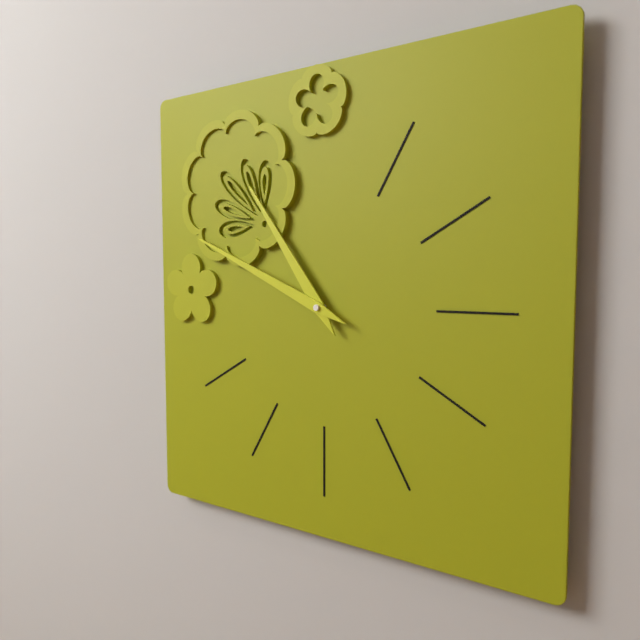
10:49
